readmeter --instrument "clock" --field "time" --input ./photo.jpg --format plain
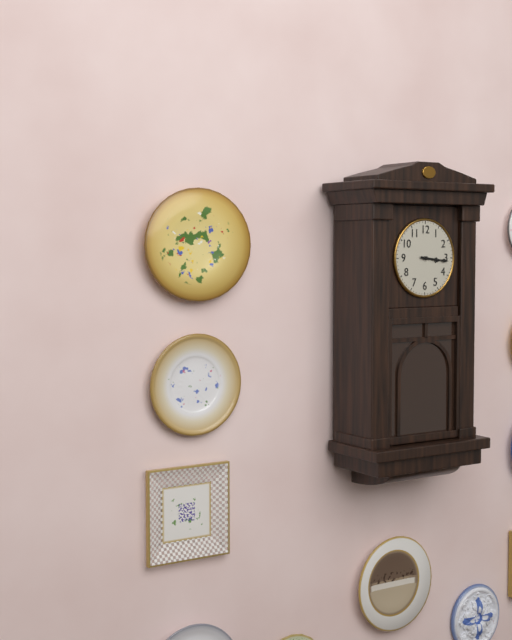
3:16
